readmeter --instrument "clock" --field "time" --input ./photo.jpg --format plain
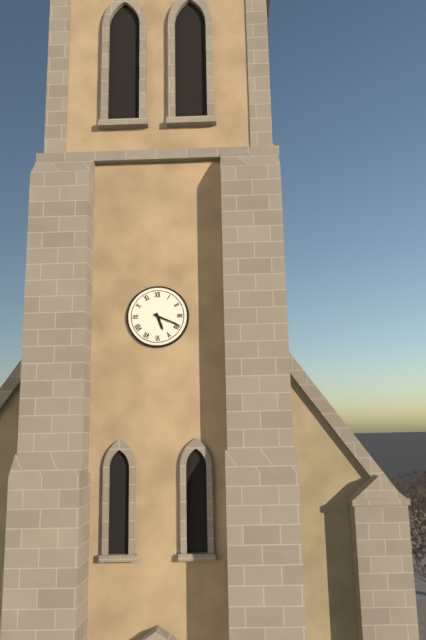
5:19
